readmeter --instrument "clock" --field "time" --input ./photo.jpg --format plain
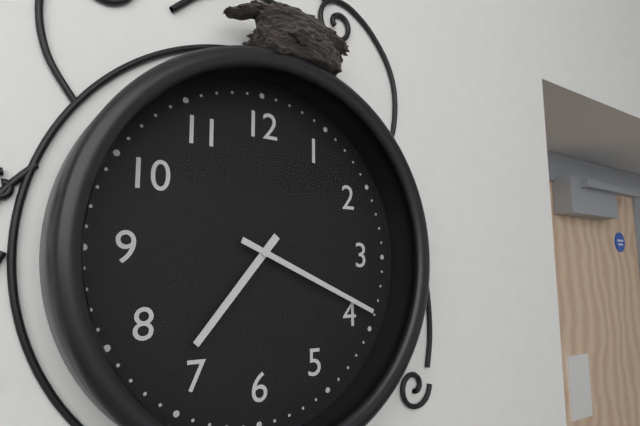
7:19
